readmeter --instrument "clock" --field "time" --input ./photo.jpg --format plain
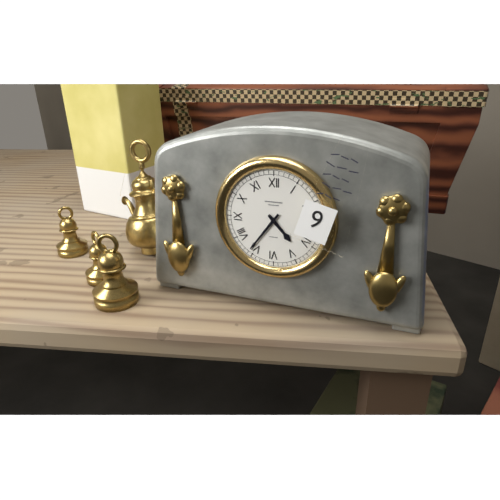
4:36
